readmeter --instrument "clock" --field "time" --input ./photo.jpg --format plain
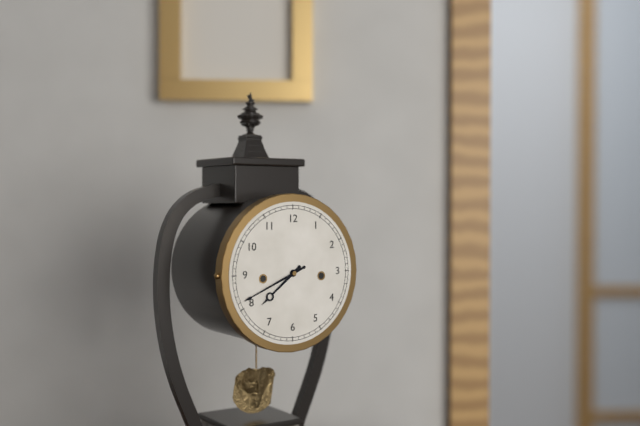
7:41
